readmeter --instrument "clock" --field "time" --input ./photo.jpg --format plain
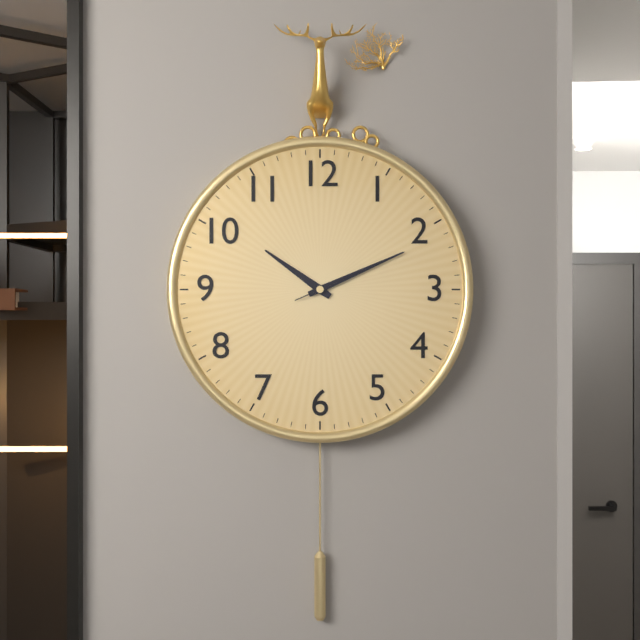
10:11:11
